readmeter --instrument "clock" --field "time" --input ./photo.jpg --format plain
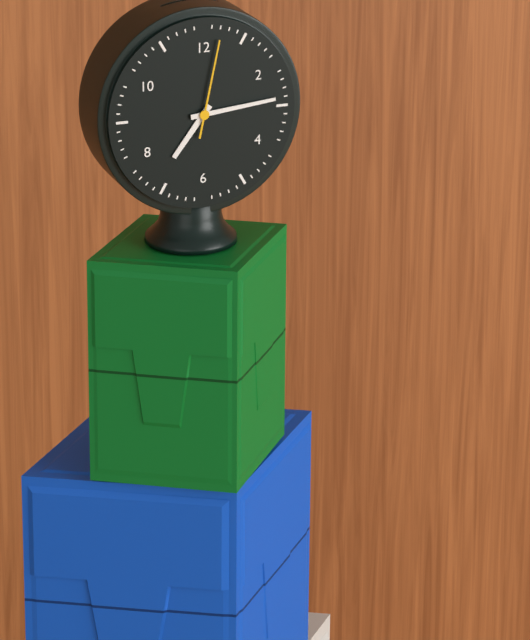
7:14:02
